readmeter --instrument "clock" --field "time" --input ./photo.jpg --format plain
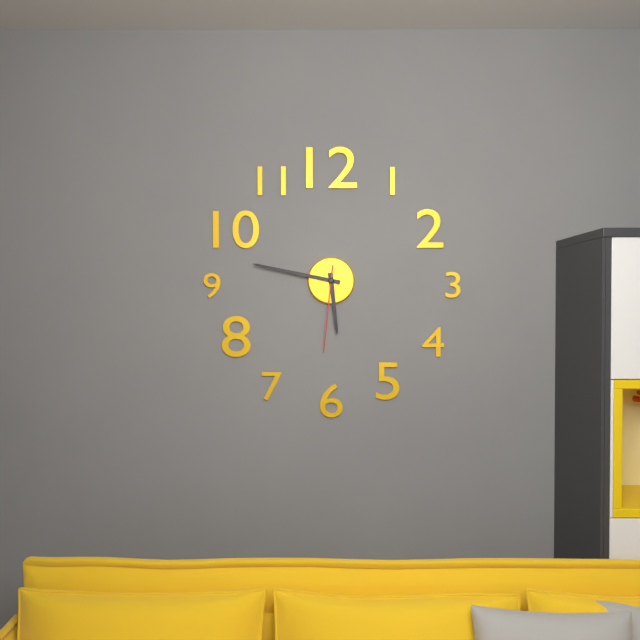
5:47:31
